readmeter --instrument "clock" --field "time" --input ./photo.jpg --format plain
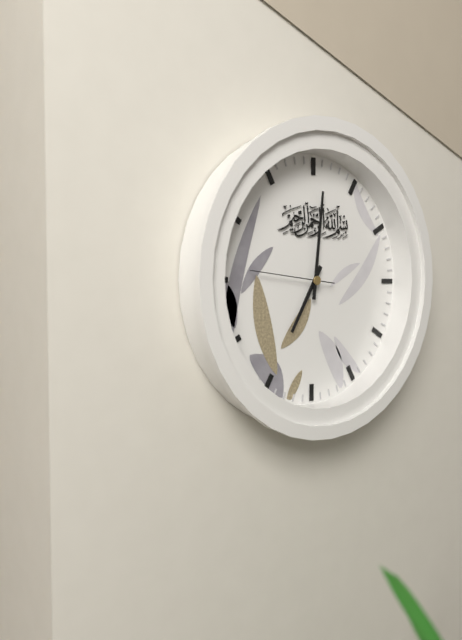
7:01:46
